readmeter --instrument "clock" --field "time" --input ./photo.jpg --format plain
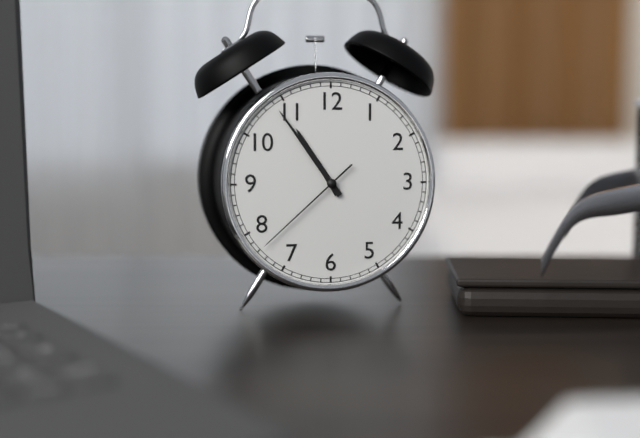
10:54:38
